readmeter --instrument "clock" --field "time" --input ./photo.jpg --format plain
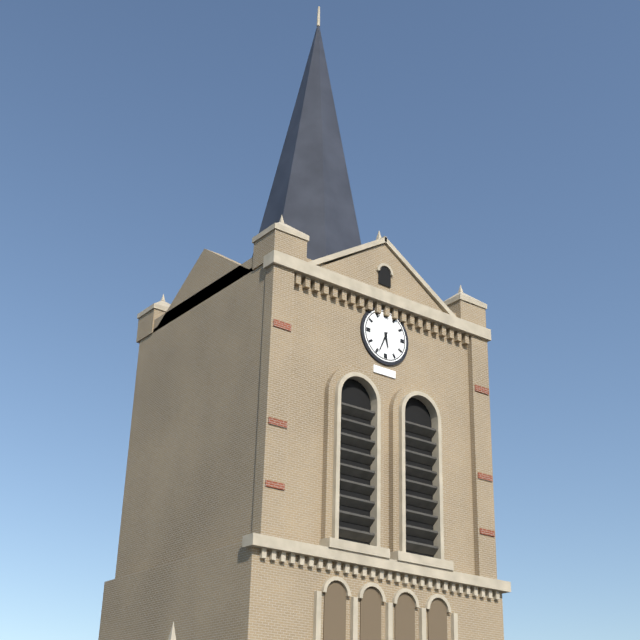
5:34
